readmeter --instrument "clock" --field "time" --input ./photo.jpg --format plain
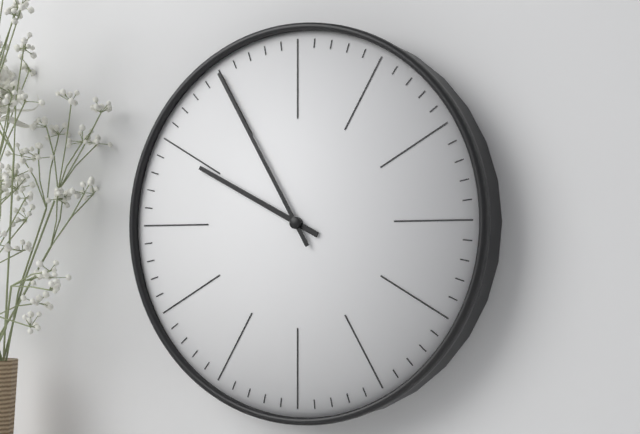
9:55
